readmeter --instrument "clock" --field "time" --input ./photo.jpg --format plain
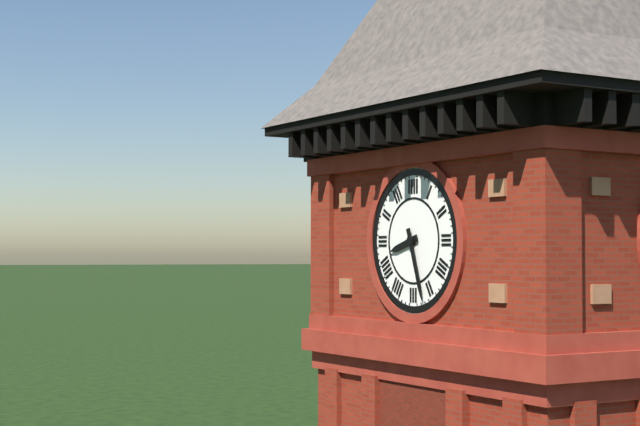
8:27
